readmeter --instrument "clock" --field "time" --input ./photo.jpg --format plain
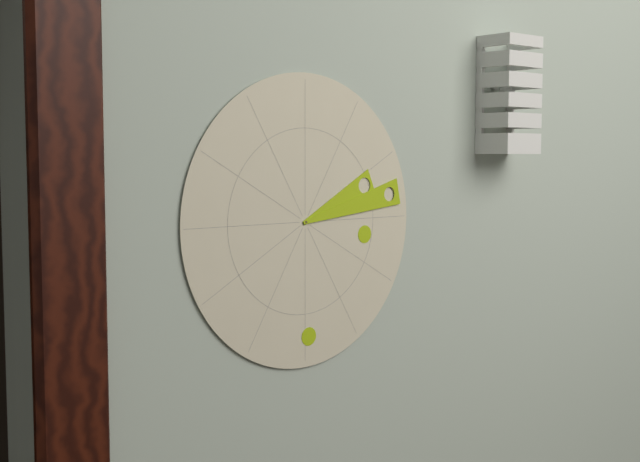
2:13
